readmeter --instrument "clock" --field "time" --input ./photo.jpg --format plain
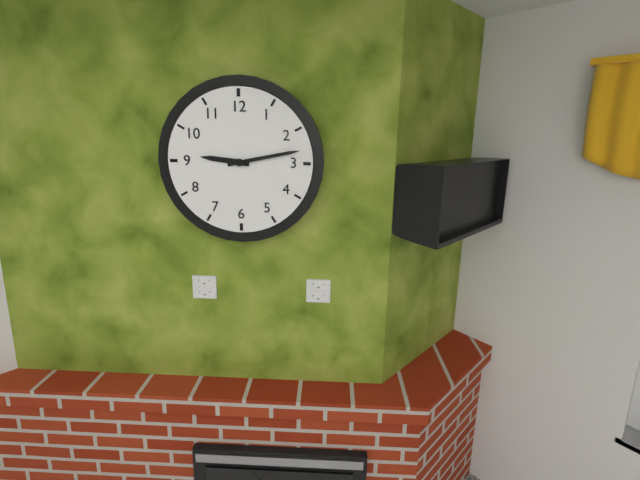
9:13
